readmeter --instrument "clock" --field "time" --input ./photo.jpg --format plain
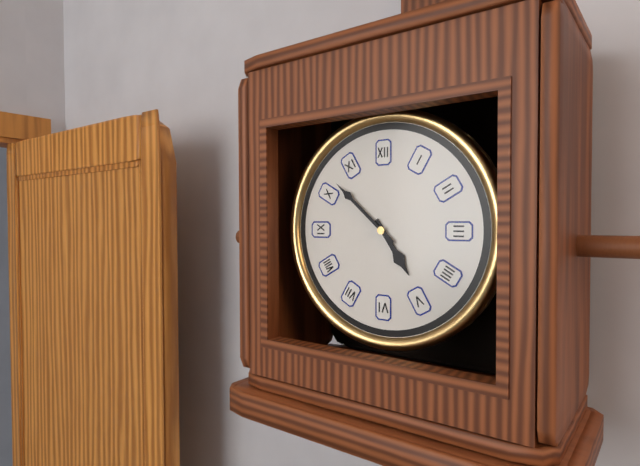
4:52
